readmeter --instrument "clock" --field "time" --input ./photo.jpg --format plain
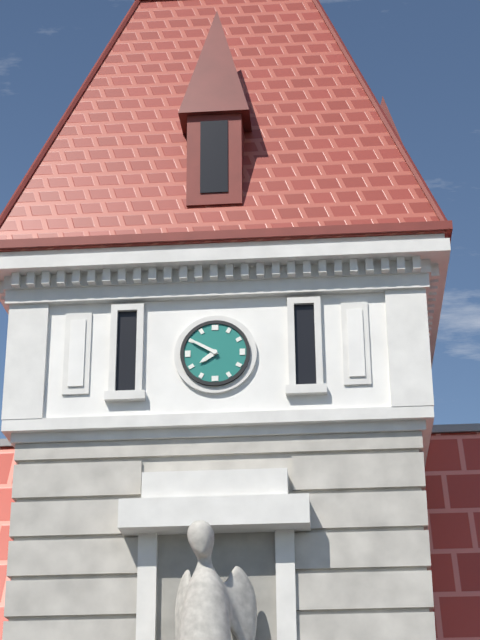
7:50
